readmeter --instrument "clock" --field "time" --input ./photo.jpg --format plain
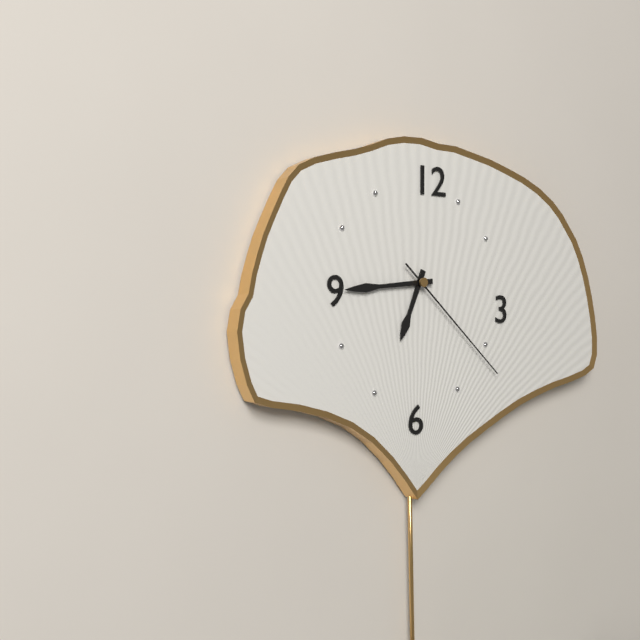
6:44:22
